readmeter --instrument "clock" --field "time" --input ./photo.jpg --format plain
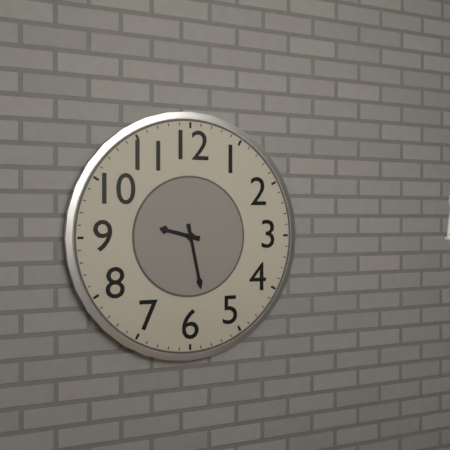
9:28
